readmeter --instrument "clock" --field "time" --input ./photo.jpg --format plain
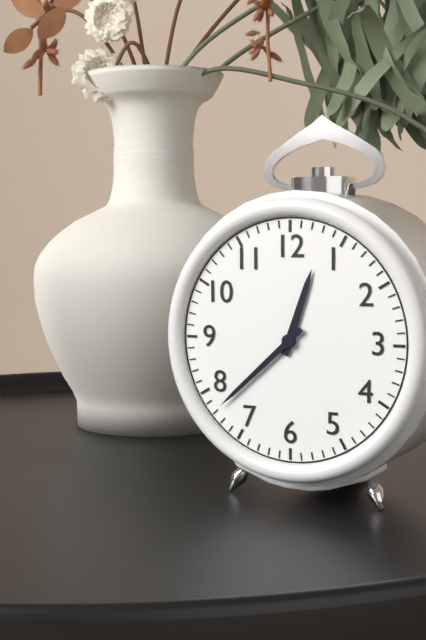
12:38
